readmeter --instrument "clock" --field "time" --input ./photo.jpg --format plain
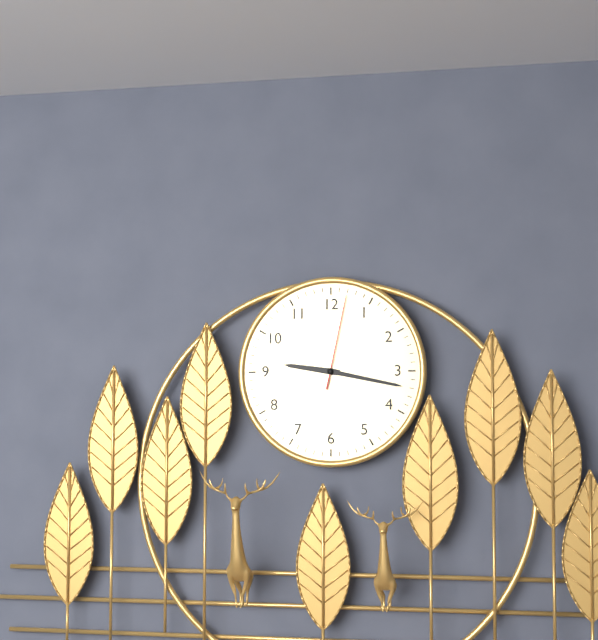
9:17:02
